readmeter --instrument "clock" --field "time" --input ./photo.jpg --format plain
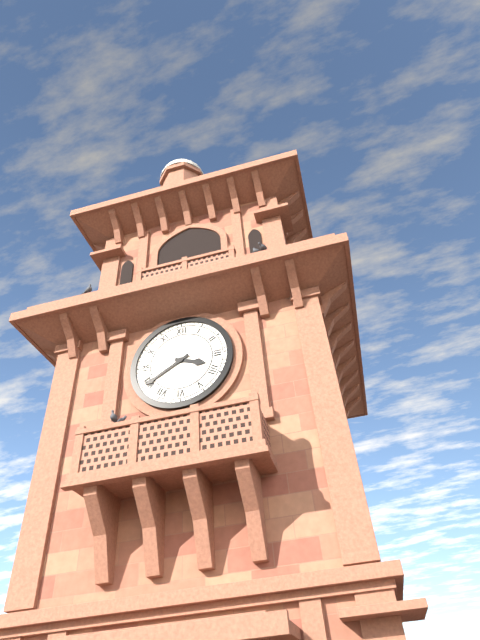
3:40
